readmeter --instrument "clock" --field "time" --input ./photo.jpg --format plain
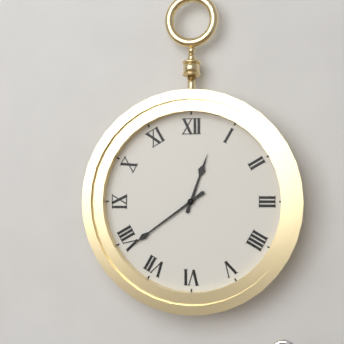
12:39
